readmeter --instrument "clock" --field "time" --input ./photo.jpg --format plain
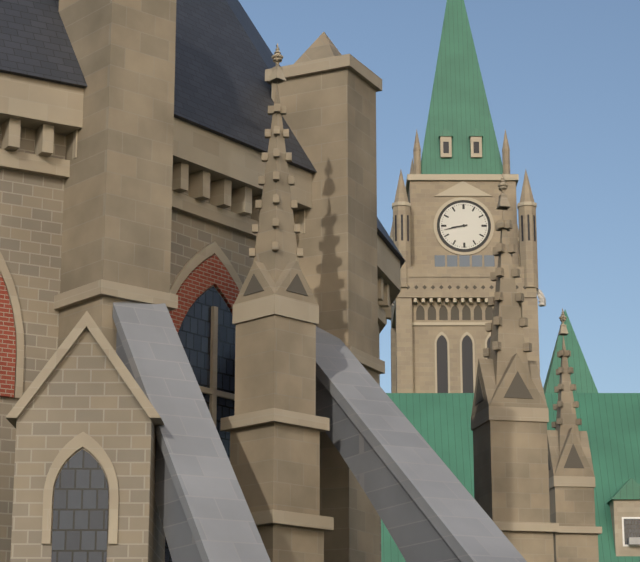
8:43
